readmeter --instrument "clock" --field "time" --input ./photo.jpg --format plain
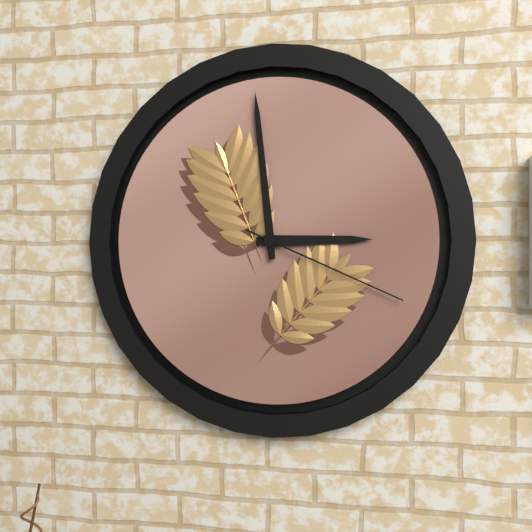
2:59:19
